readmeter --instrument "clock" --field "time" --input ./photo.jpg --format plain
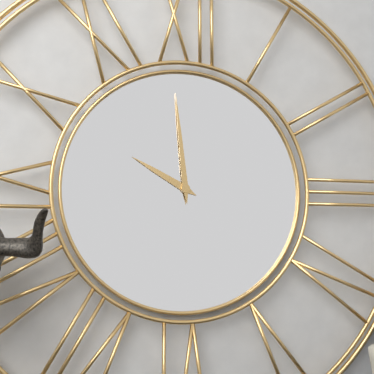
9:59
